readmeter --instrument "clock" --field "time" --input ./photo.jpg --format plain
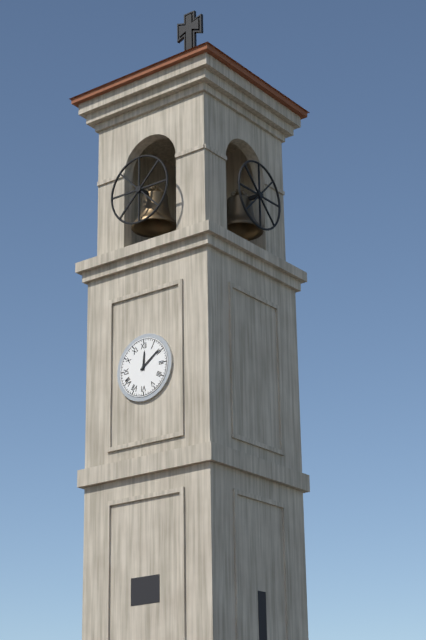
12:09
